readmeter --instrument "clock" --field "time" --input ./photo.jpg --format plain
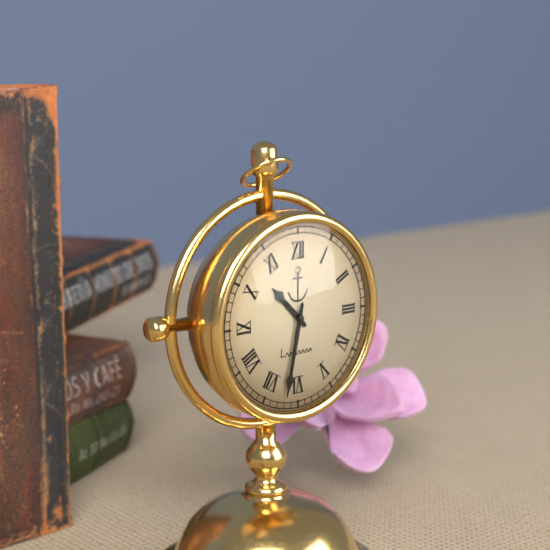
10:32
